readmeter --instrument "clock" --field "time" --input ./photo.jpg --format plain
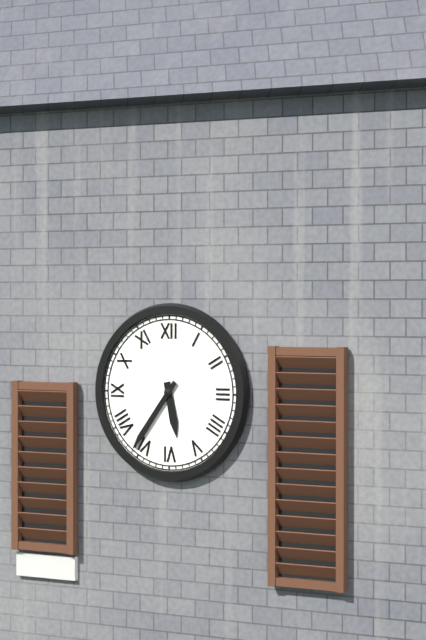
5:36
